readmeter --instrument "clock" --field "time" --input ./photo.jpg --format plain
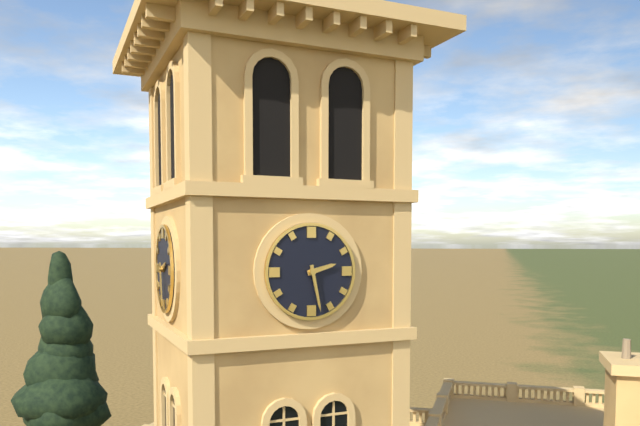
2:28
